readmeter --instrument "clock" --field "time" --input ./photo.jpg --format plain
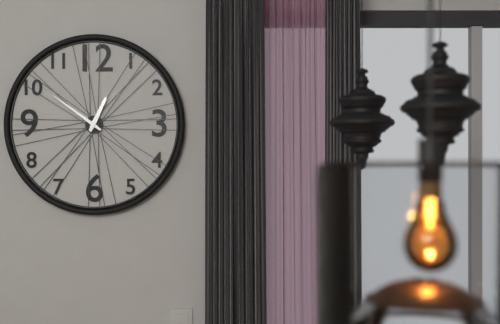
12:51
